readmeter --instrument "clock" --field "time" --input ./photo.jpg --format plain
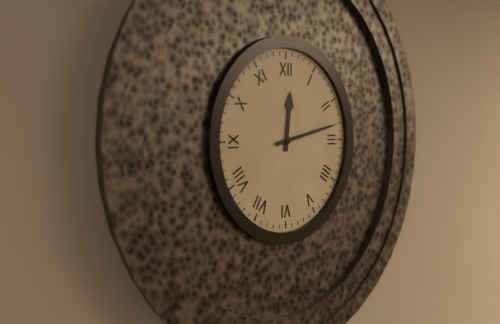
12:13
